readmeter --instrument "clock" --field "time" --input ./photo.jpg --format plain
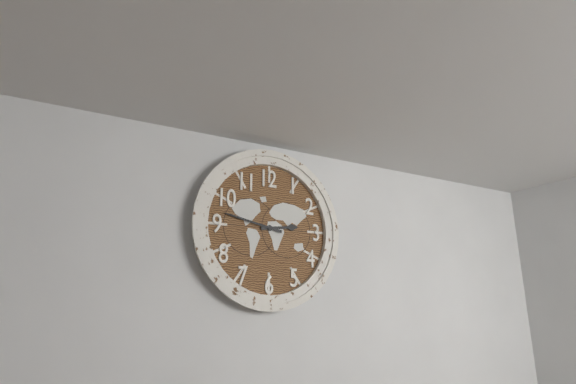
2:47
